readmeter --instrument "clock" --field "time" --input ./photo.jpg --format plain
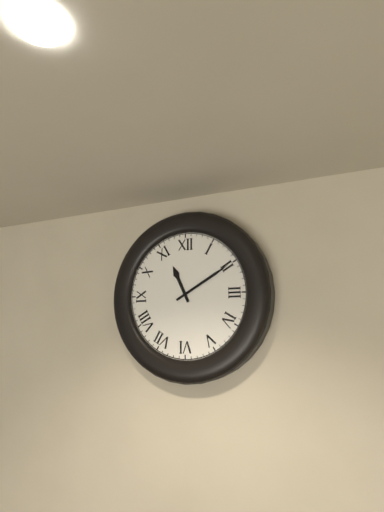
11:10
